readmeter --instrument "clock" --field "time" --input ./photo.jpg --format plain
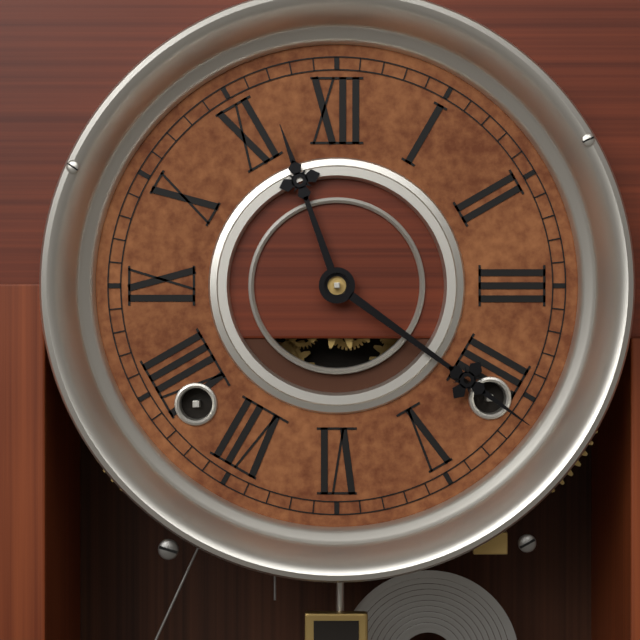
11:21
